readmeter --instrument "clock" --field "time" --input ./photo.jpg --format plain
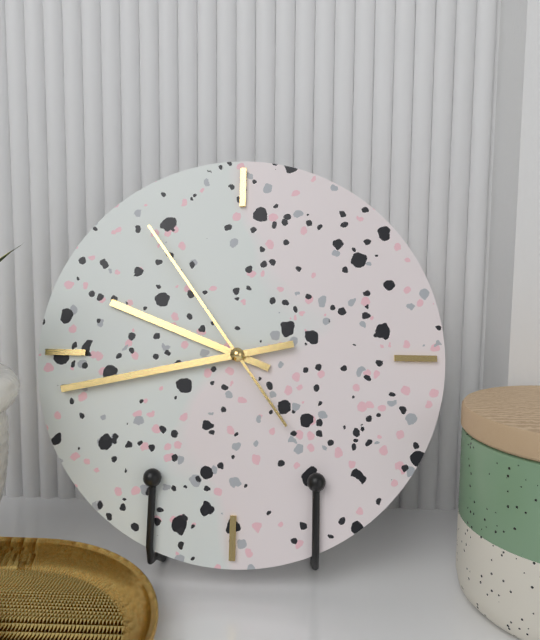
9:43:54
